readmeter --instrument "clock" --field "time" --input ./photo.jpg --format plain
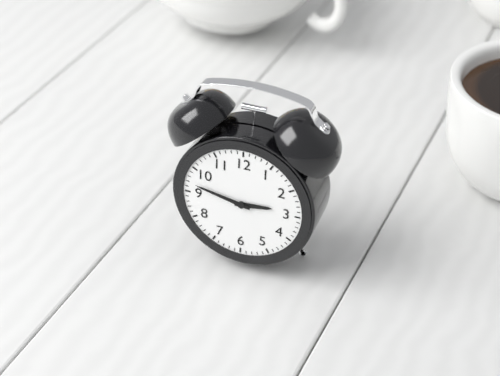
2:47
